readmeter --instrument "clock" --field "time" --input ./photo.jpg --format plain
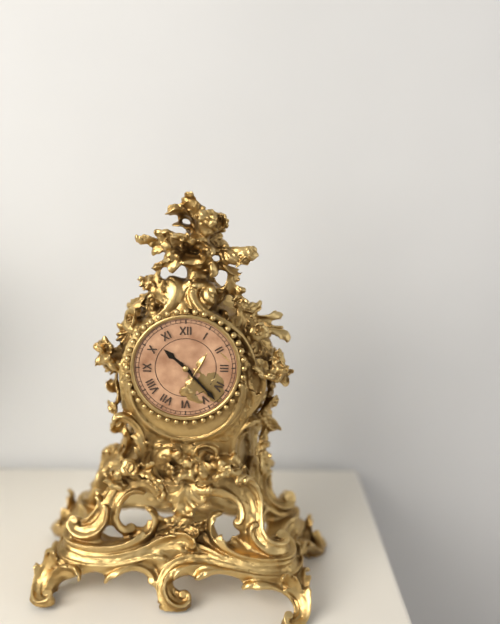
10:23
